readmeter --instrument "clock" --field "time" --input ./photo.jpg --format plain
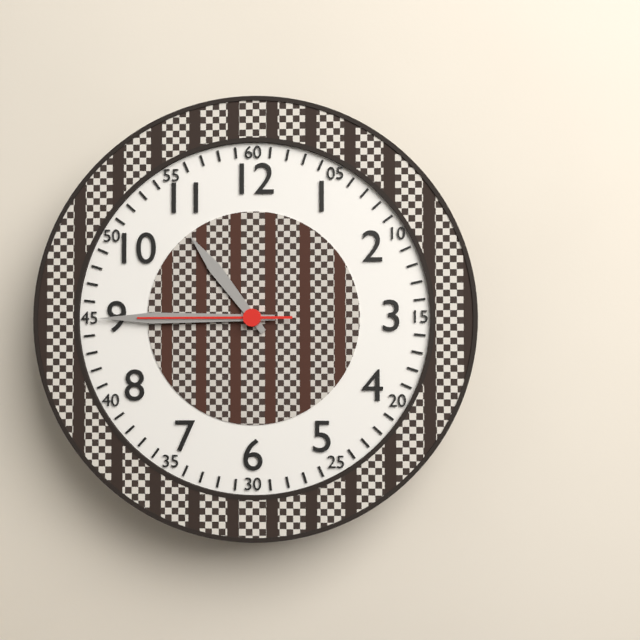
10:45:45
